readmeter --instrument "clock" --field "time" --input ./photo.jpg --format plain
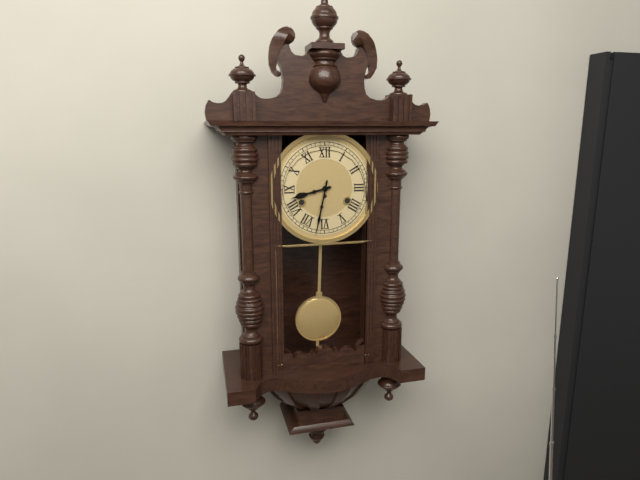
8:32
